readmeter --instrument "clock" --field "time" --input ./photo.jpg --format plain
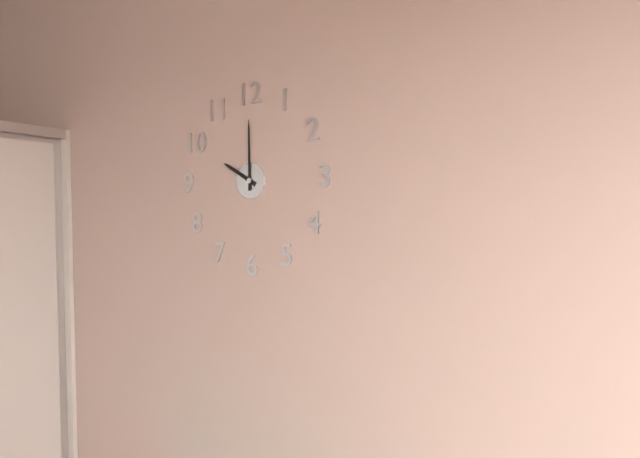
10:00
